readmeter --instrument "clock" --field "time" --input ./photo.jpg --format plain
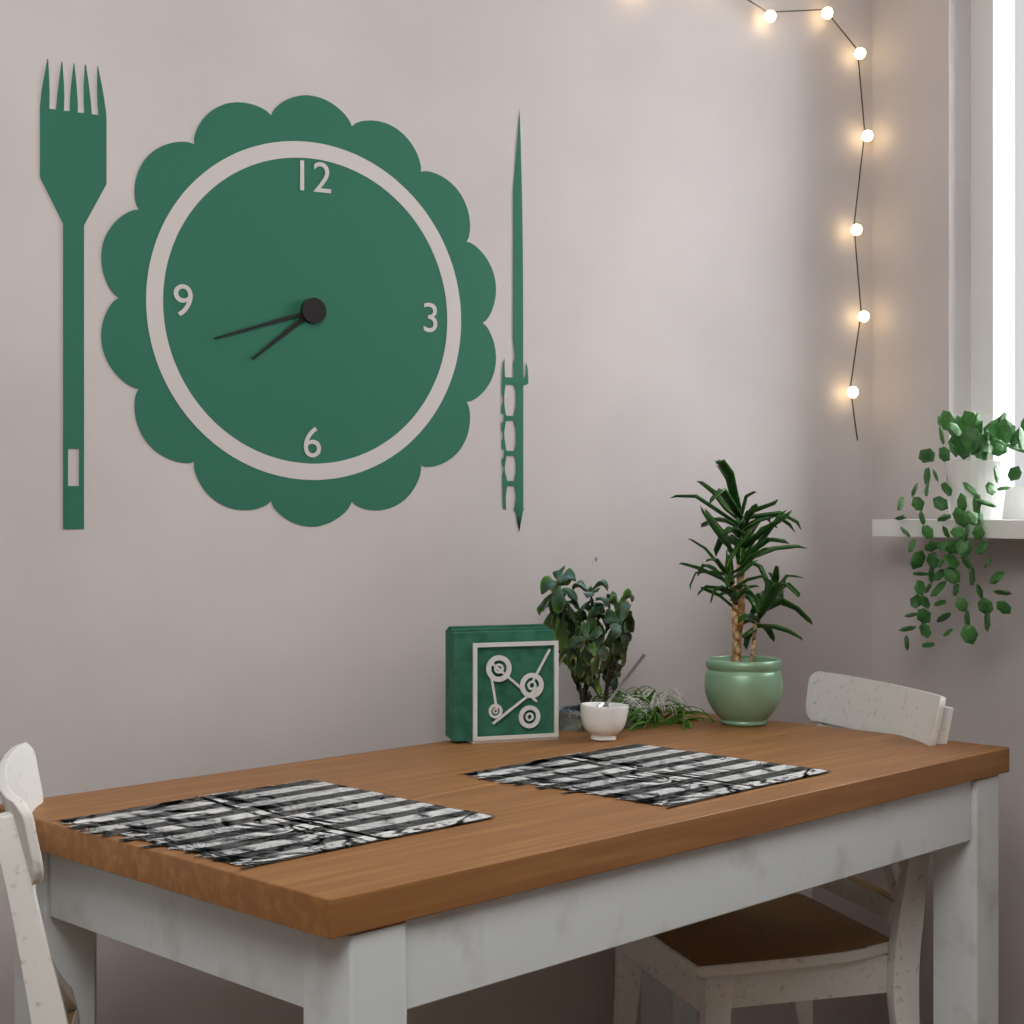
7:42
